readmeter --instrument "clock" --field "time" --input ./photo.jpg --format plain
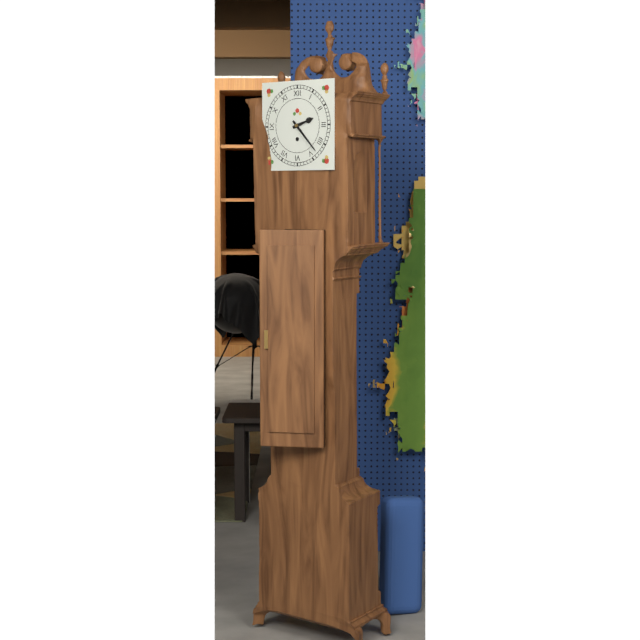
2:23
